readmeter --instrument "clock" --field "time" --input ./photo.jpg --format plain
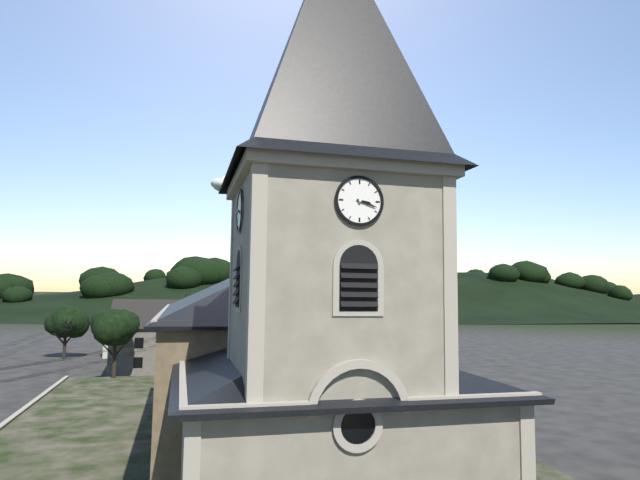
3:18
